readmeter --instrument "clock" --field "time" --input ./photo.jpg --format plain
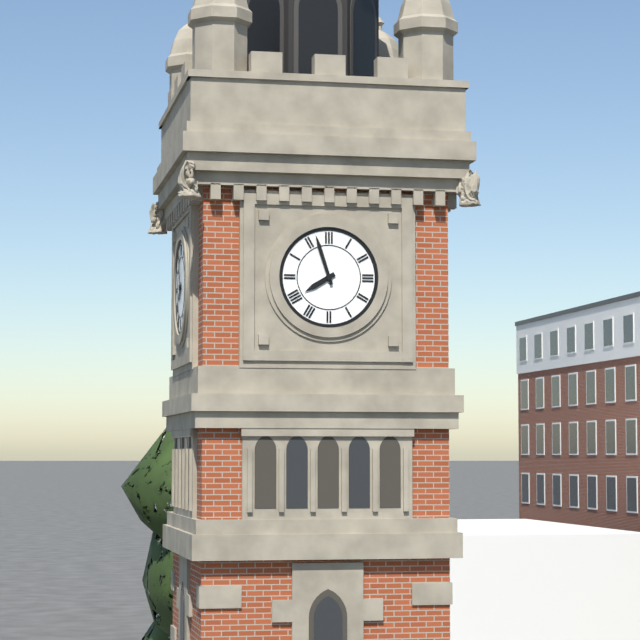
7:57
